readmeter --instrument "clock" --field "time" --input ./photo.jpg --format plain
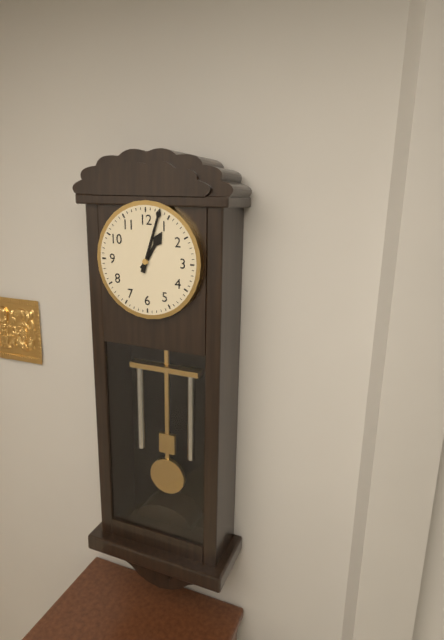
1:03
